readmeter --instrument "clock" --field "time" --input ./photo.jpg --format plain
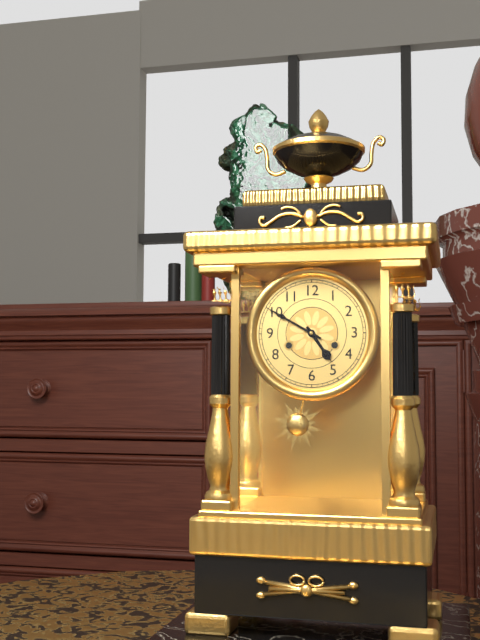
4:50
